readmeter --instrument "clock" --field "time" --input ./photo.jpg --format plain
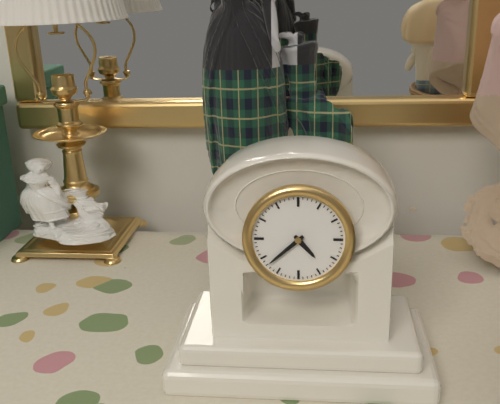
4:38
